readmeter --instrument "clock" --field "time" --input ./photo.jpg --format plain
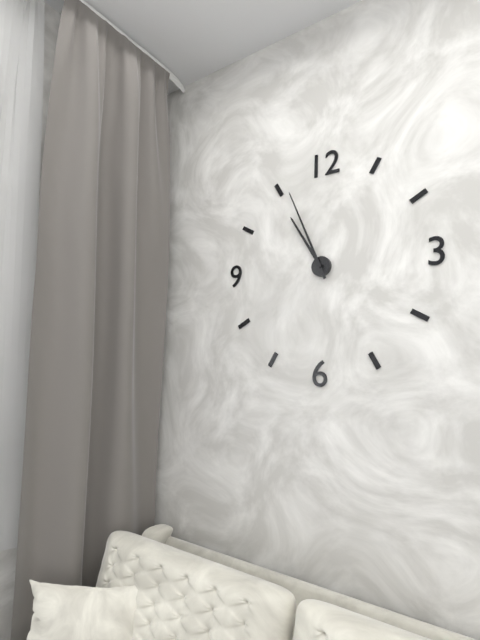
10:56
